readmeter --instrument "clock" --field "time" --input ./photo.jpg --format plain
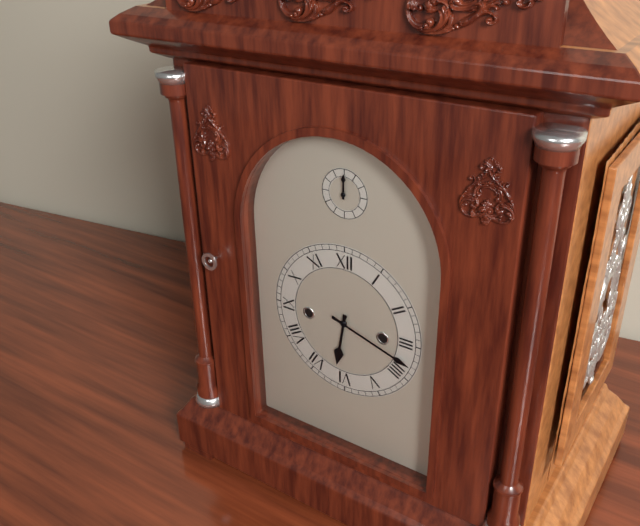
6:18
